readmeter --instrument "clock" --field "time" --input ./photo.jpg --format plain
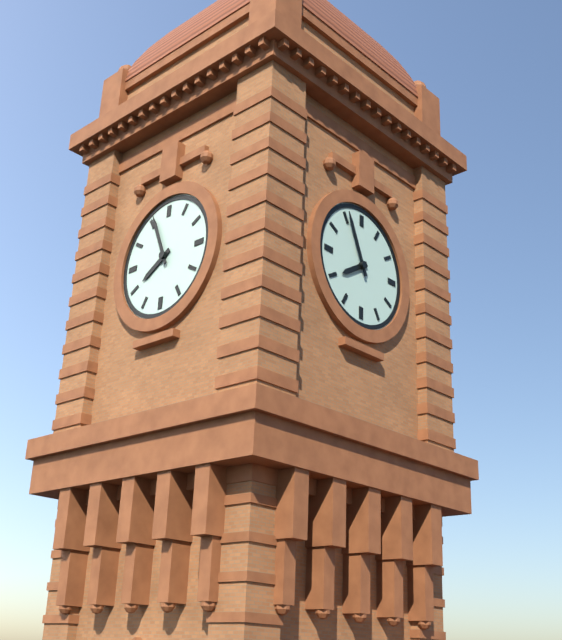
7:56
